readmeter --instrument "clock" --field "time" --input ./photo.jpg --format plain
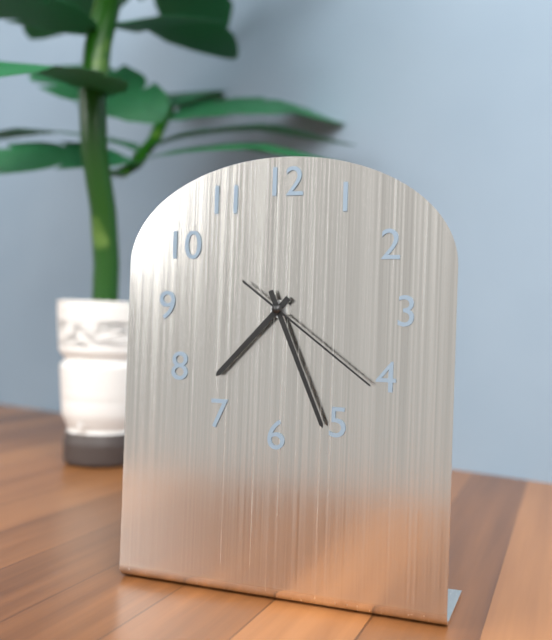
7:26:21
